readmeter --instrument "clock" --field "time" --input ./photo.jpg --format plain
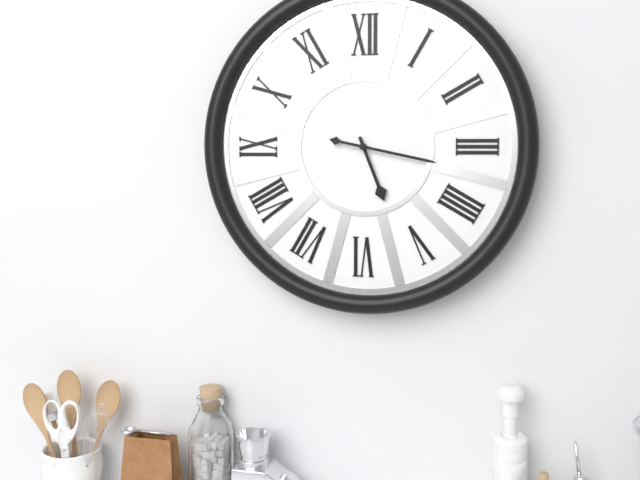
5:17
